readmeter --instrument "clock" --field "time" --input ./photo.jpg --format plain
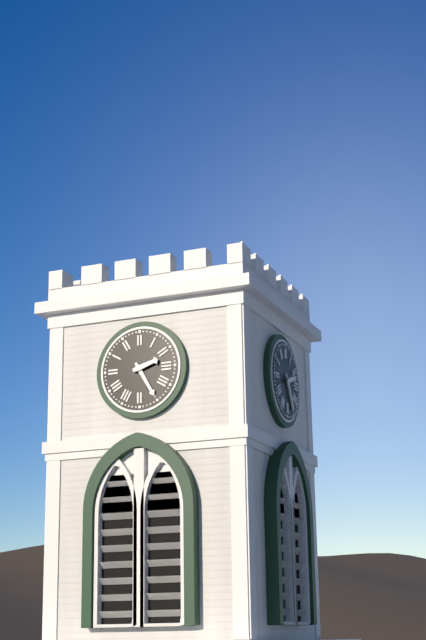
2:25
